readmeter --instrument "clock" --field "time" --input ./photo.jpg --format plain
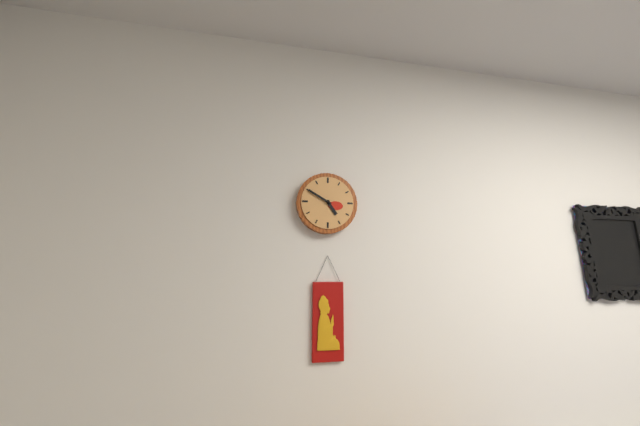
4:50
